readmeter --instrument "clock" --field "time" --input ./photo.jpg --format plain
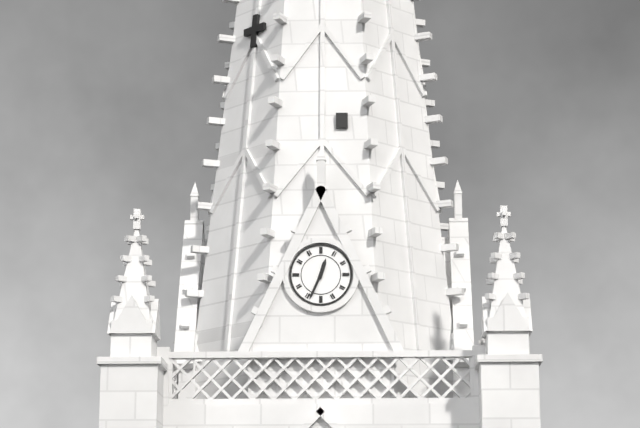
12:34
